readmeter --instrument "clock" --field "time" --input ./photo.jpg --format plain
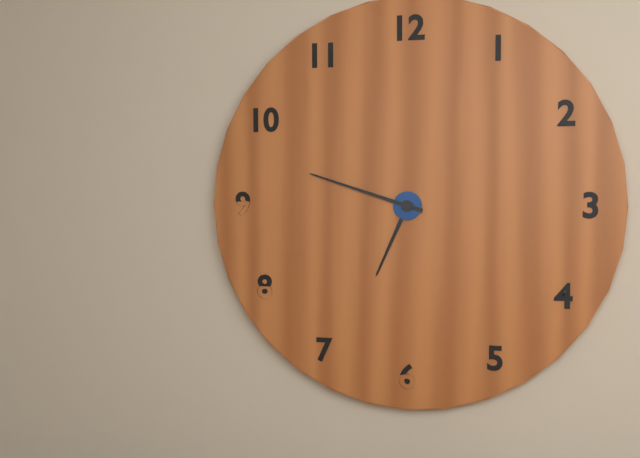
6:48
